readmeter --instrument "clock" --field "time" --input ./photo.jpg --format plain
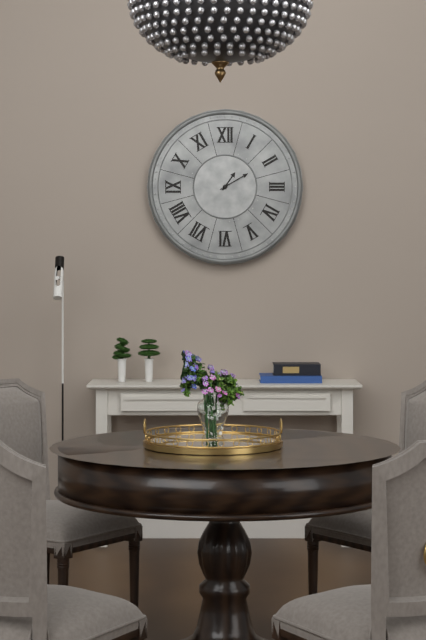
1:10
